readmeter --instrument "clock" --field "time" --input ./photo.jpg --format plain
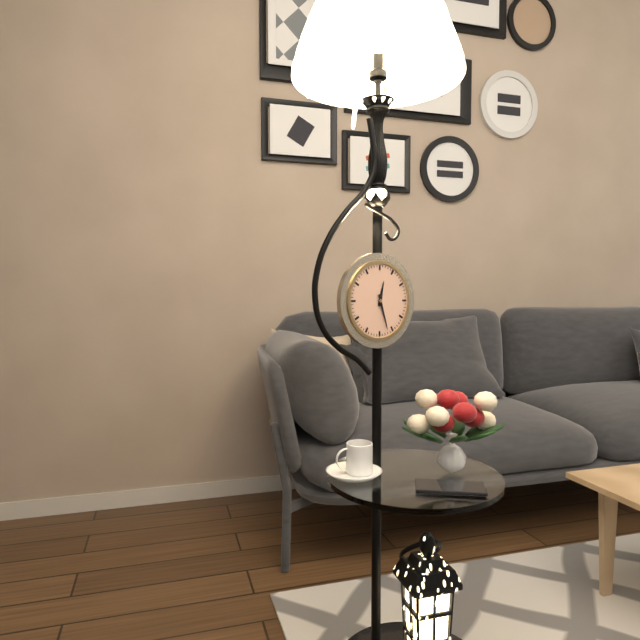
12:27
